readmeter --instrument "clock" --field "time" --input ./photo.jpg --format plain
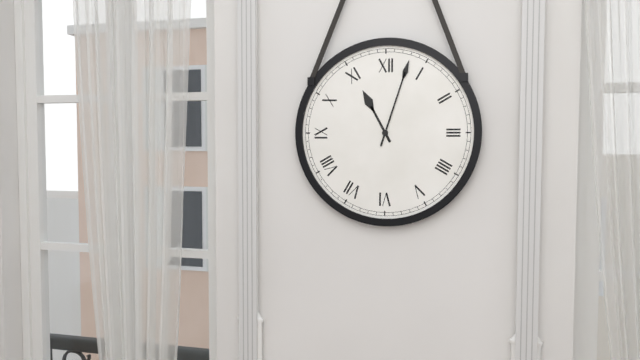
11:03
